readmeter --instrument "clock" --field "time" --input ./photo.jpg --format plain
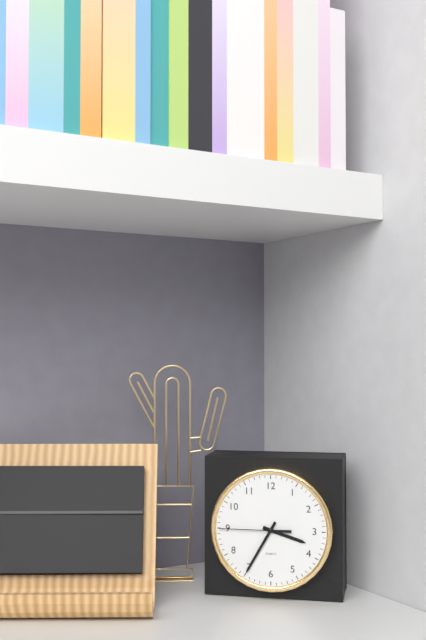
3:35:45
